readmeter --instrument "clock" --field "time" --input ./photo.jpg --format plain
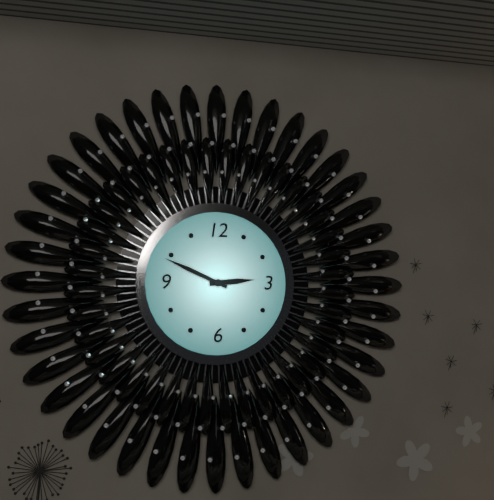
2:49
